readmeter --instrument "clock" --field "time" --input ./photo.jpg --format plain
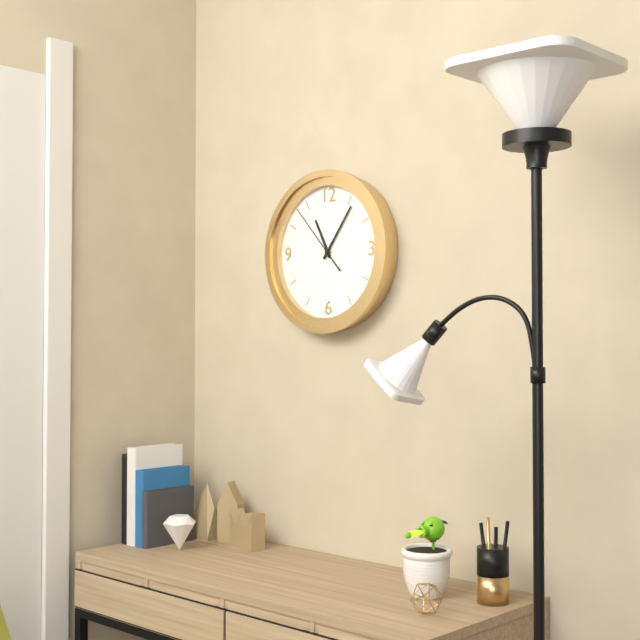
11:06:53
